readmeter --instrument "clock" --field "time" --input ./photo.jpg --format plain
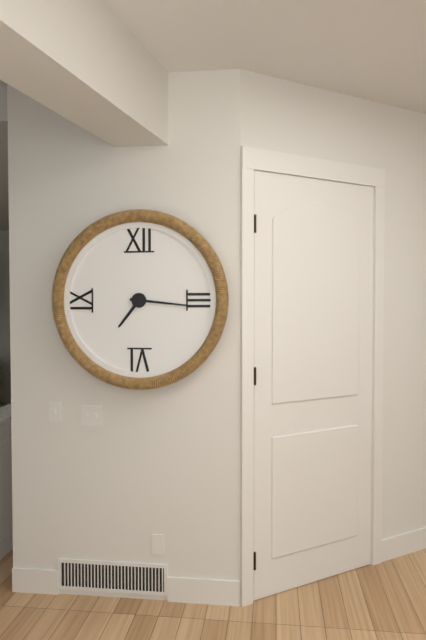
7:16
